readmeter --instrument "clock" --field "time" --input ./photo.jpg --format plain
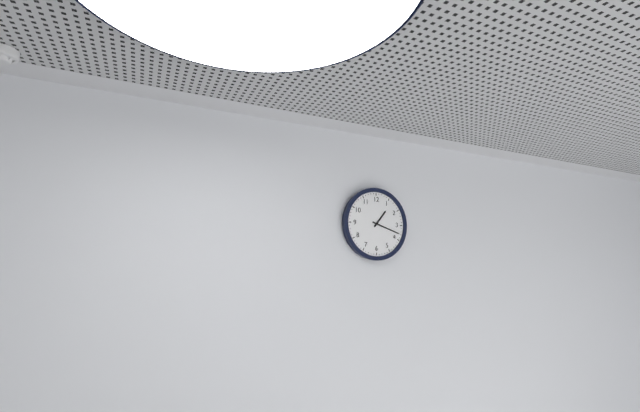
1:18
